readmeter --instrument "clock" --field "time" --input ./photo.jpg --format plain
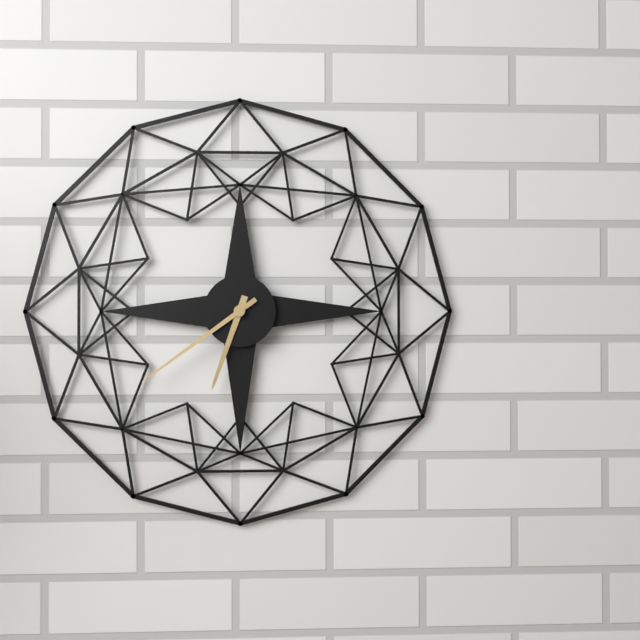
6:39
